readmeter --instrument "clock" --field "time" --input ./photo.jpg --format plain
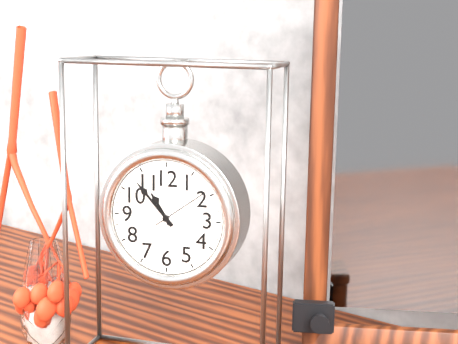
10:53
